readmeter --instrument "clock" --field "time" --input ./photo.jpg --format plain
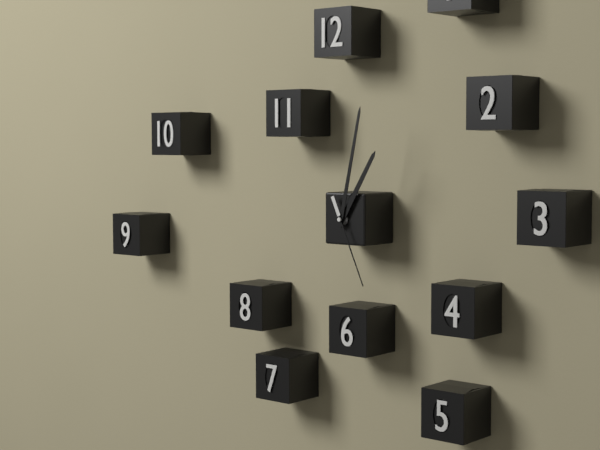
1:02:26
